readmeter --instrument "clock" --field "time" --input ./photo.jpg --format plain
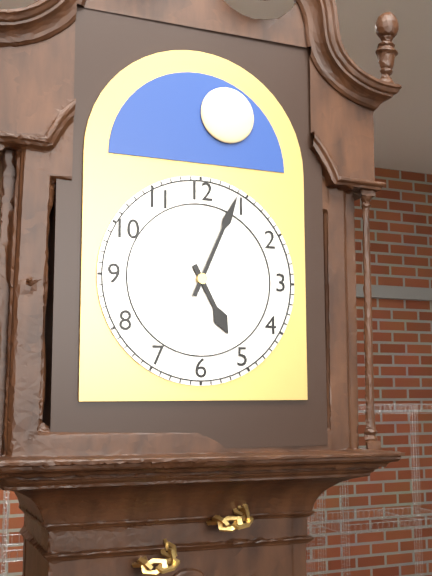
5:04
